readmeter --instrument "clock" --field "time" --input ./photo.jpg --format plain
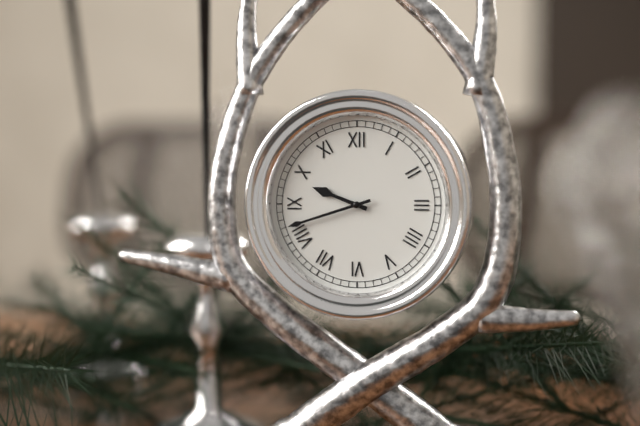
9:42
